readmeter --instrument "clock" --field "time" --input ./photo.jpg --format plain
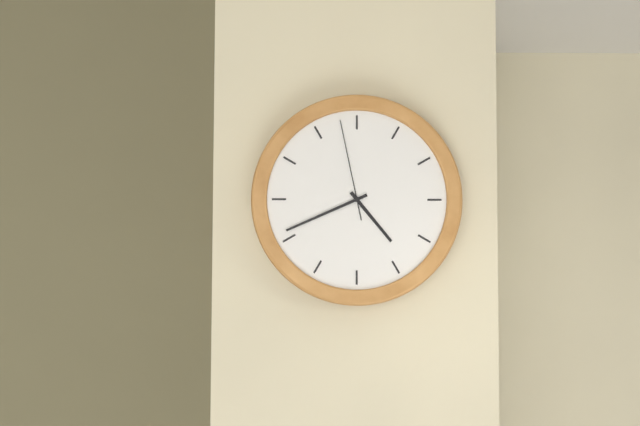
4:41:58
